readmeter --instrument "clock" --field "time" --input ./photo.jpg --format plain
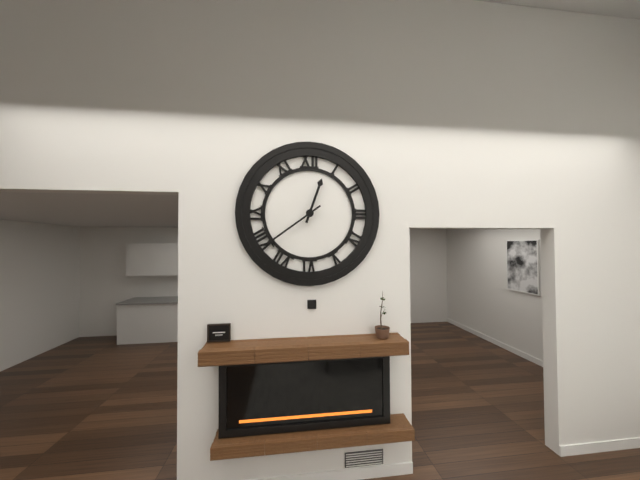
12:39
